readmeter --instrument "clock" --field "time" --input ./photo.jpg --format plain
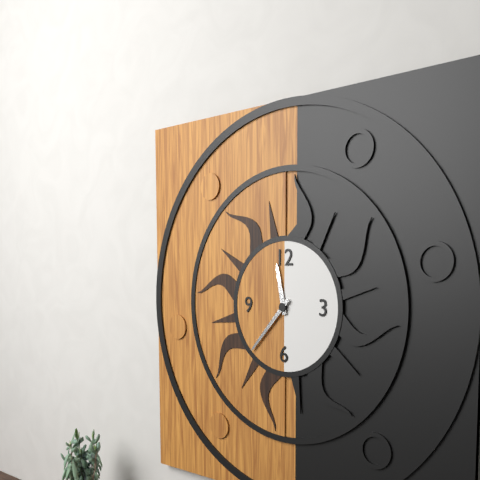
11:37
